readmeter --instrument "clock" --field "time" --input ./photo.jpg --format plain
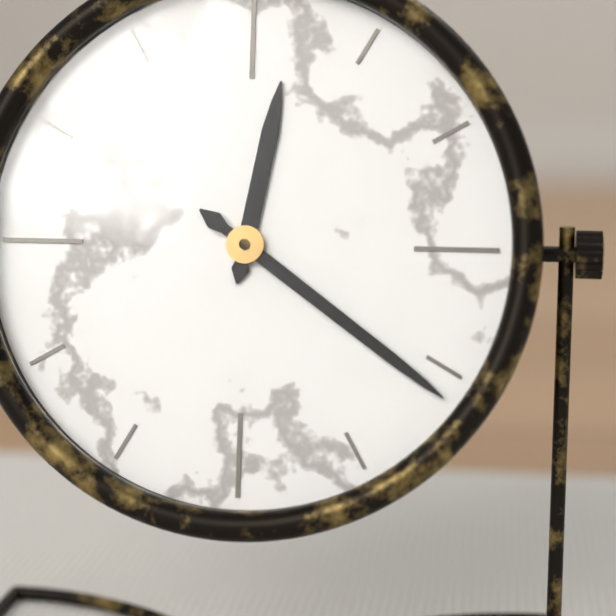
12:21
